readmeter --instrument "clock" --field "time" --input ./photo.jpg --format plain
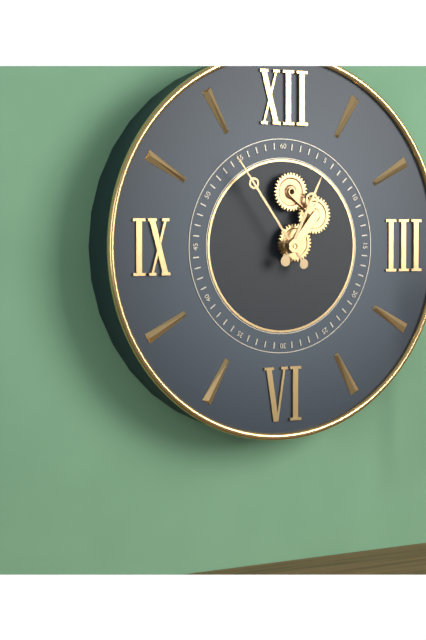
12:54
